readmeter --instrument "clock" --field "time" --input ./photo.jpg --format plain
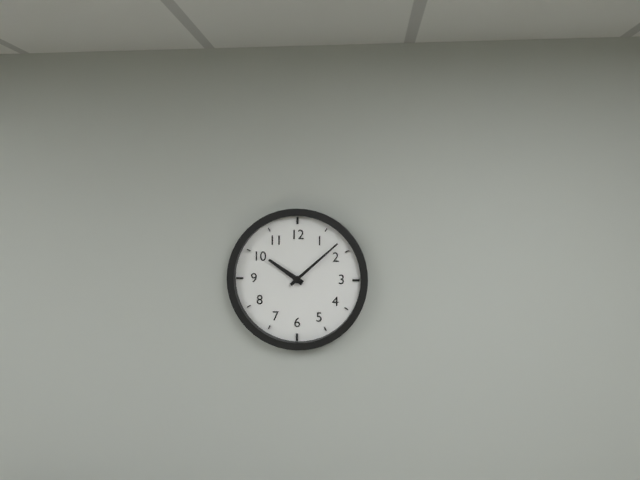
10:08
